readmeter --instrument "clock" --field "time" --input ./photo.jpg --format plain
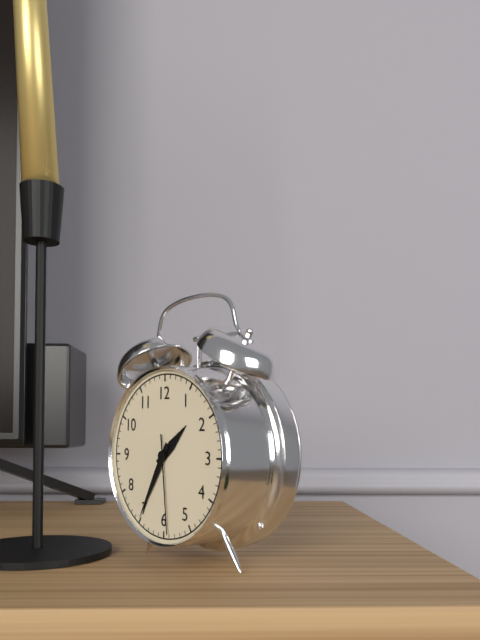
1:35:29
